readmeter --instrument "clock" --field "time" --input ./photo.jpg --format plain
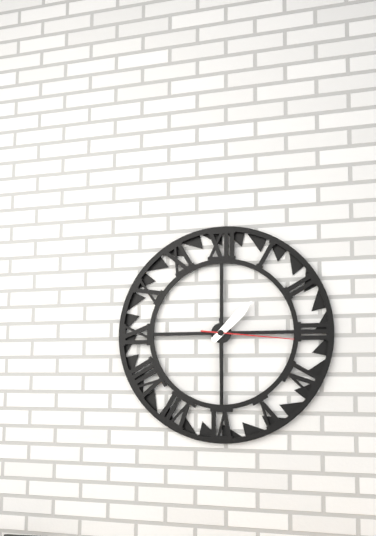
1:30:16
